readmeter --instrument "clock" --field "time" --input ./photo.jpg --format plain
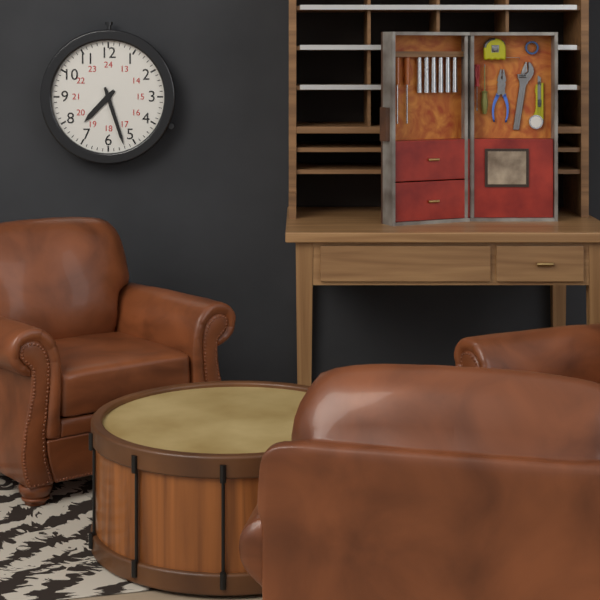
7:27
